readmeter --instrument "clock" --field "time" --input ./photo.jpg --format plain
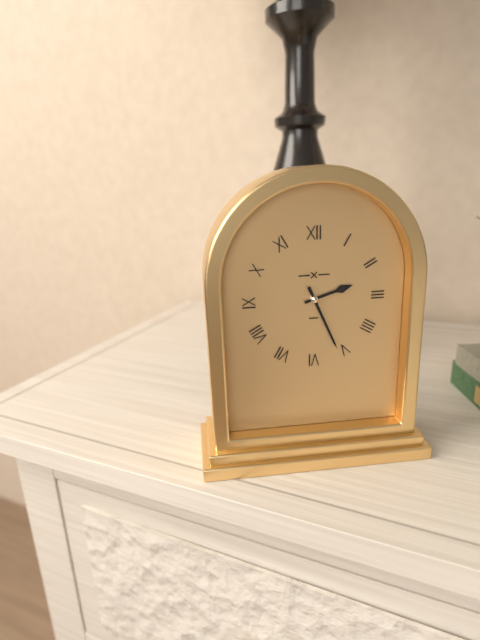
2:26
